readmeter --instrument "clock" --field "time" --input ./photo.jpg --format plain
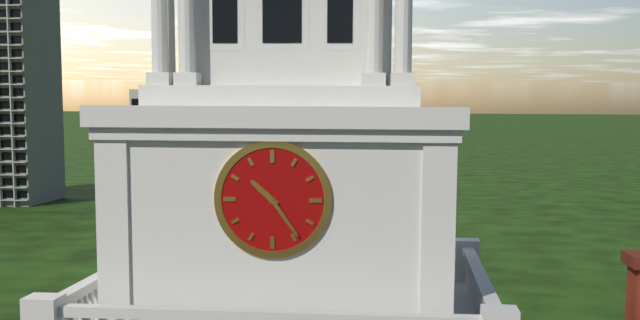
10:24
